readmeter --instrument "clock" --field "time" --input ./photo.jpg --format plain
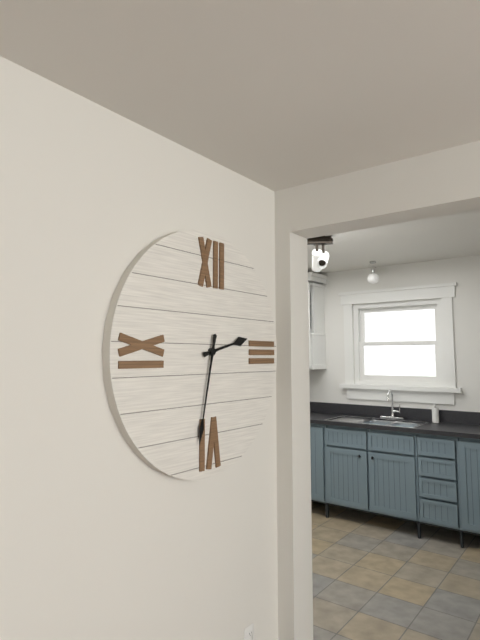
2:32
